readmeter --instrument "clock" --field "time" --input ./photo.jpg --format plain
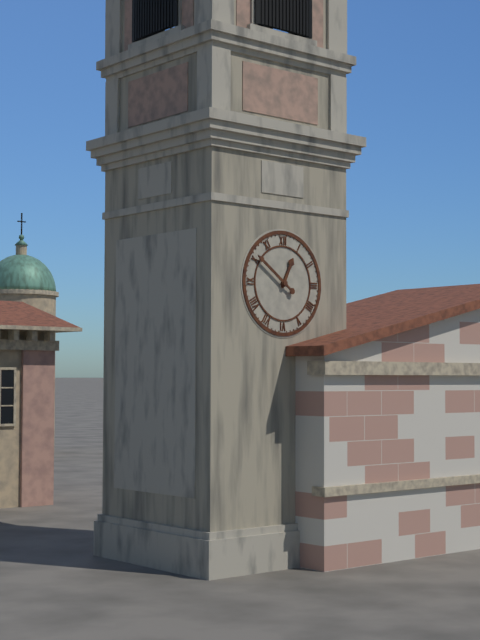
12:51
